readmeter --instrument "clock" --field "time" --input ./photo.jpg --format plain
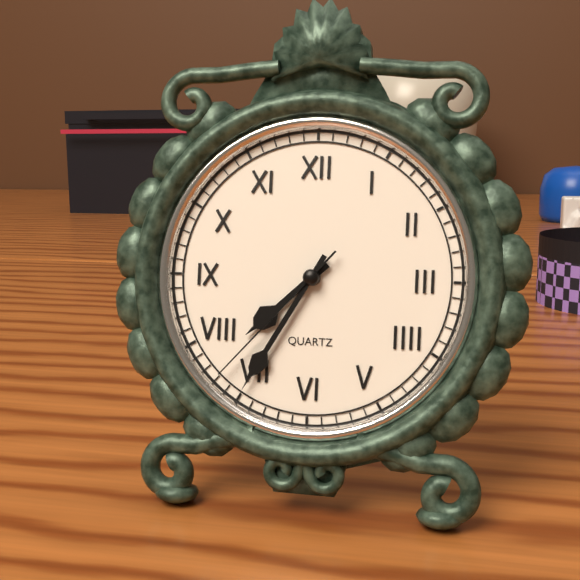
7:35:37
